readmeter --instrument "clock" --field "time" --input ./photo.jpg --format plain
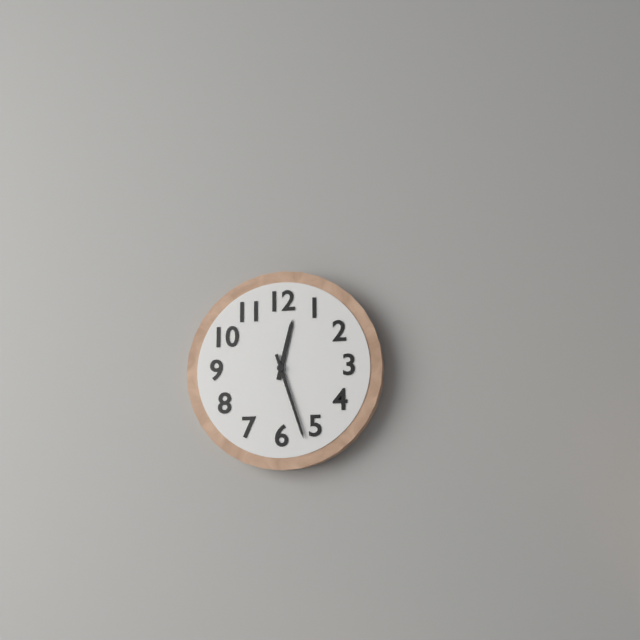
12:27
